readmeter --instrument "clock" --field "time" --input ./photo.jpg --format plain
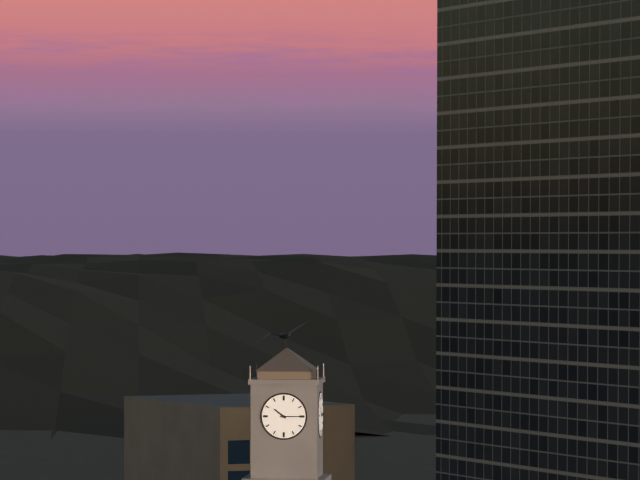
10:15
